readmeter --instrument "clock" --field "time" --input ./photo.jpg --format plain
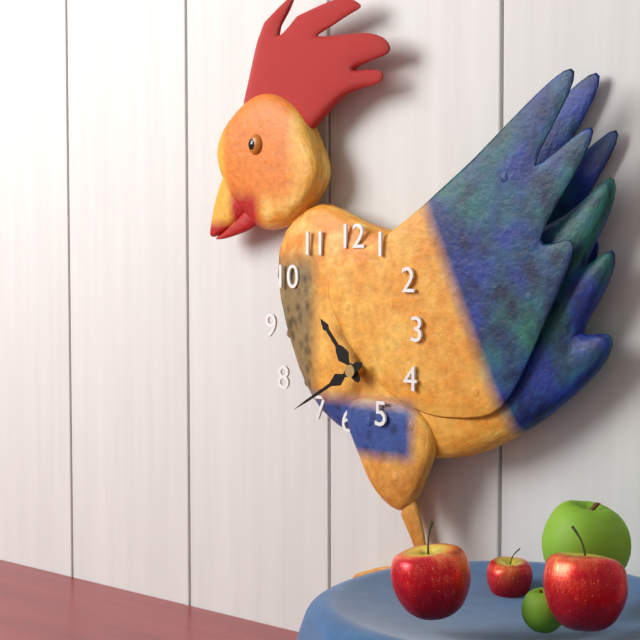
10:40
